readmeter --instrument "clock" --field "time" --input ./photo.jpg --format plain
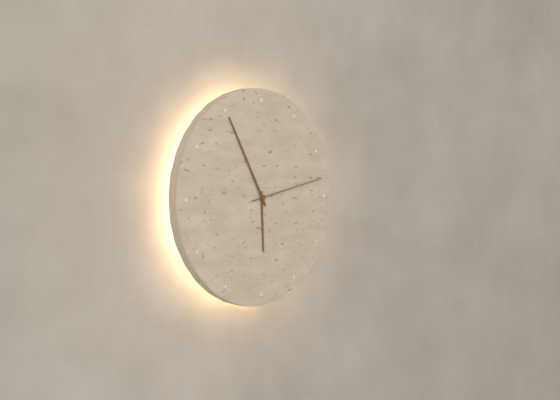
5:55:13
